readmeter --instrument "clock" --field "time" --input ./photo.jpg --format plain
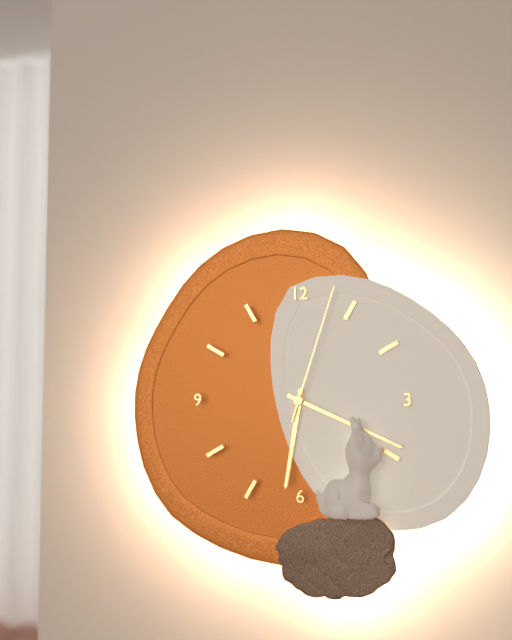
6:19:03
